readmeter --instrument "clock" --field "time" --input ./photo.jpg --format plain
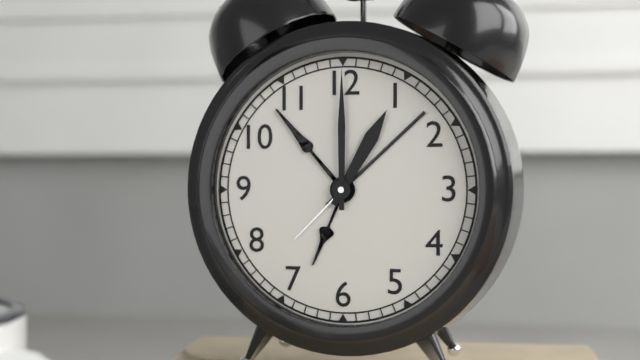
1:00
